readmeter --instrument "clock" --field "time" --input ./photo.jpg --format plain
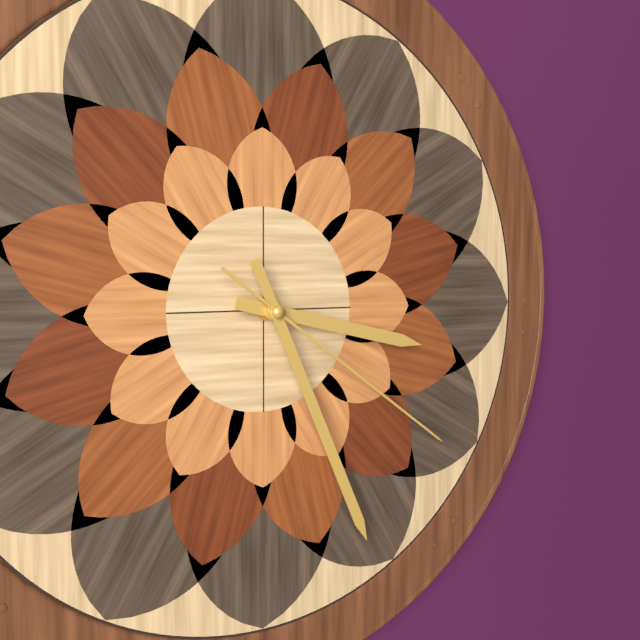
3:26:21
